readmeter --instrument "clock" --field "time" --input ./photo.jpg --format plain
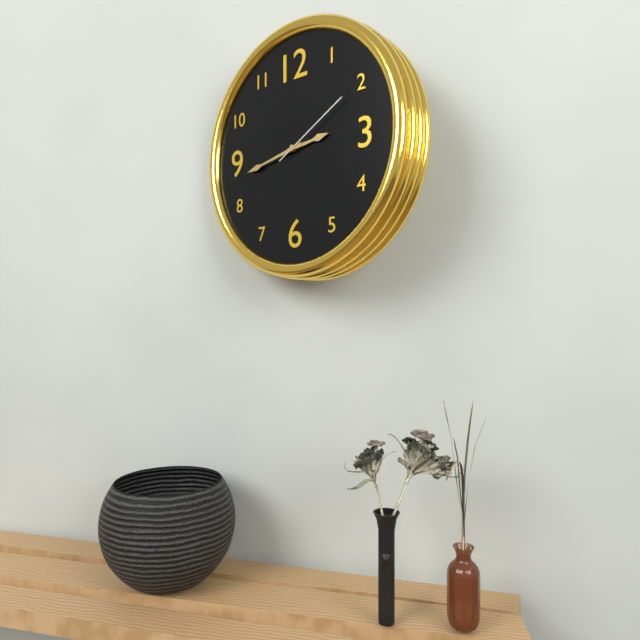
2:43:10
